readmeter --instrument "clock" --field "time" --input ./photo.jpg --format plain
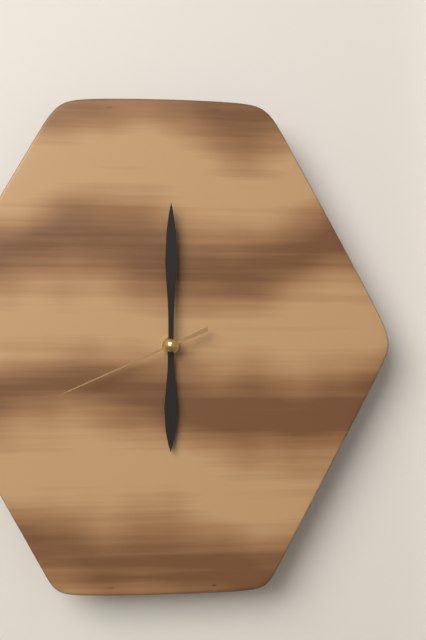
6:00:41
